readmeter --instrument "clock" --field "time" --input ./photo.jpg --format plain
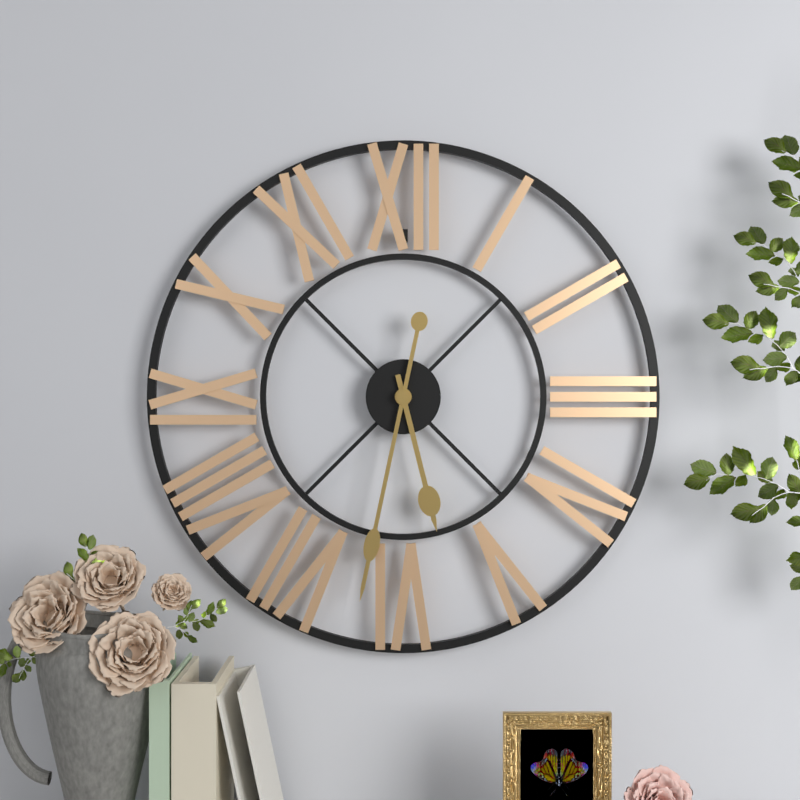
5:32
